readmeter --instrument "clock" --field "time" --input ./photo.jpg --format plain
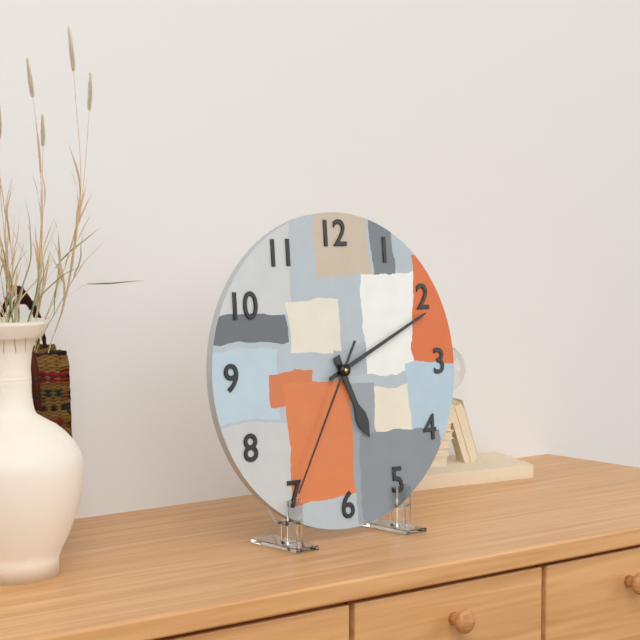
5:11:35
